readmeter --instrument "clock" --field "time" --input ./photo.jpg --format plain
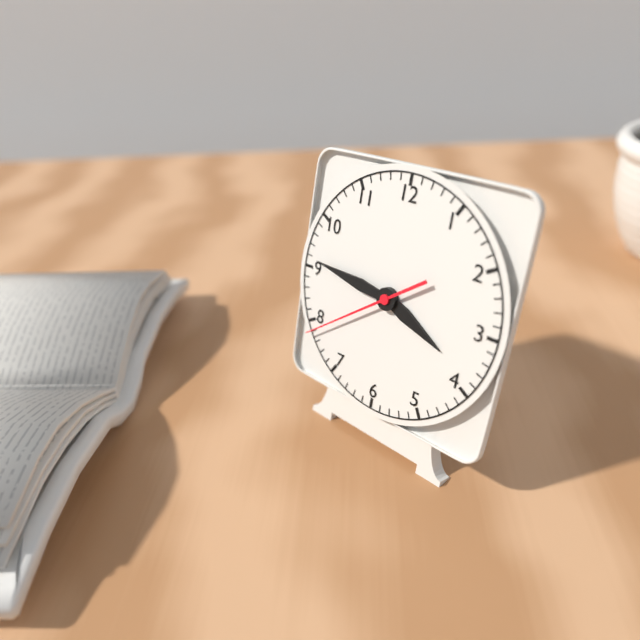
3:46:39
